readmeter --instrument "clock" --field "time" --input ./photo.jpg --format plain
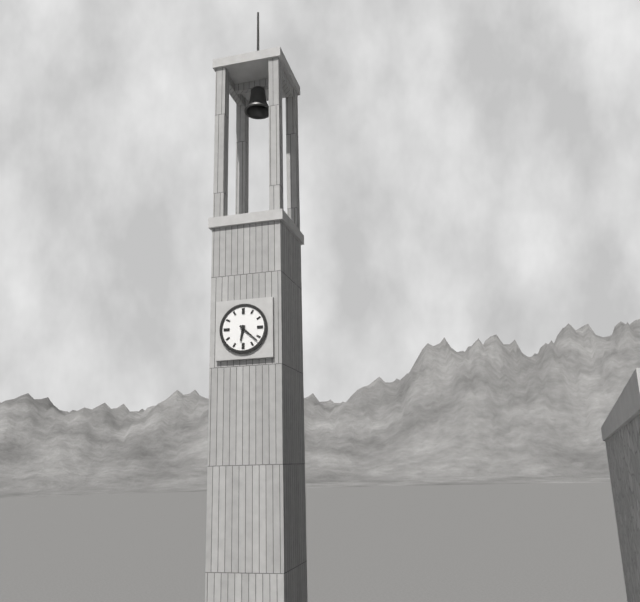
6:22
